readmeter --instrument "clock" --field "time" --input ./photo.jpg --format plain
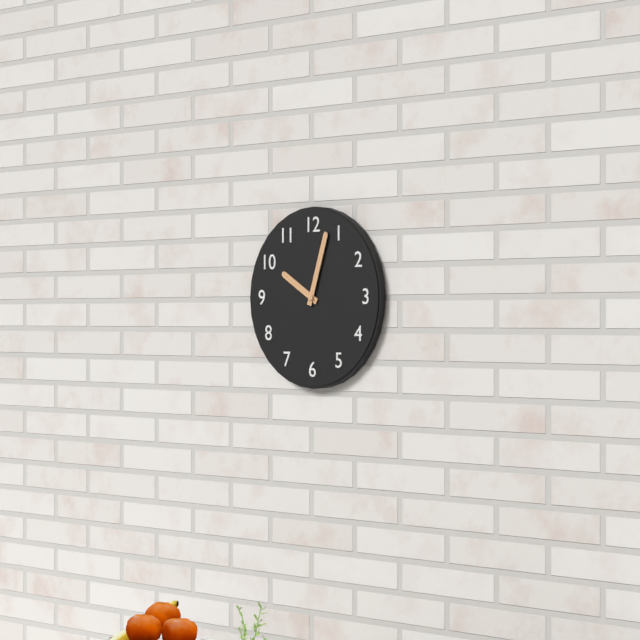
10:03
